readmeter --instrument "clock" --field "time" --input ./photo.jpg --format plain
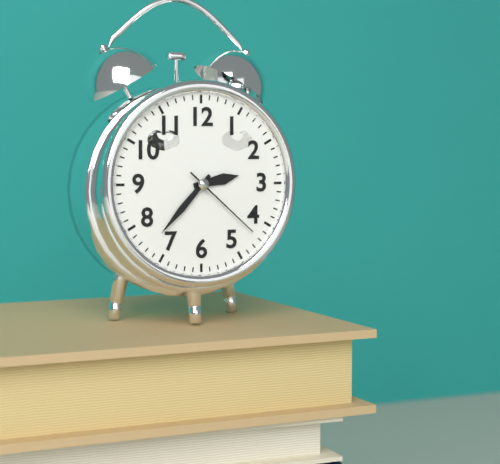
2:37:22
